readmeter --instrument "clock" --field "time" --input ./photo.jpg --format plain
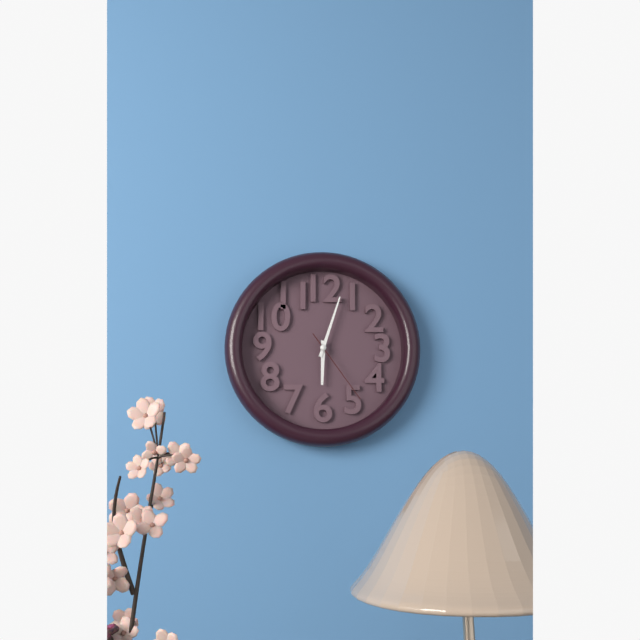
6:03:24
